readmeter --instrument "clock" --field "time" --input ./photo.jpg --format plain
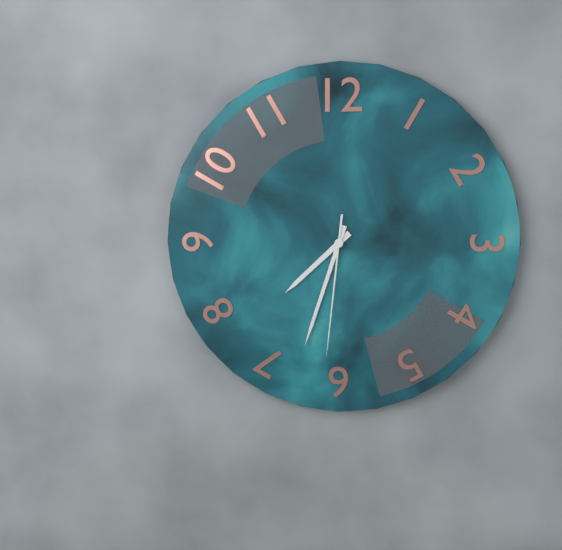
7:33:31
